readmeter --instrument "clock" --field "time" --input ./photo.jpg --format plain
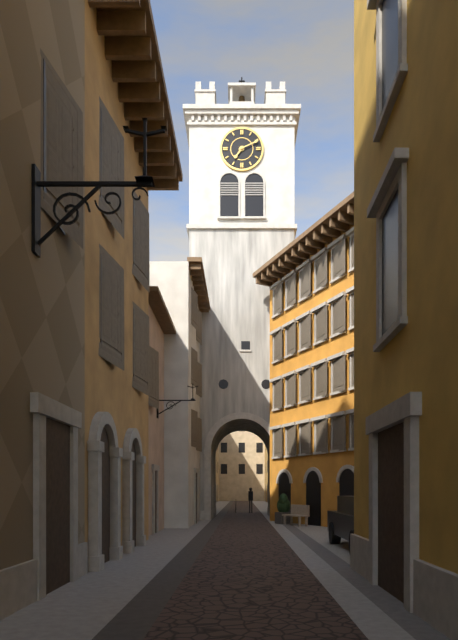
7:11
